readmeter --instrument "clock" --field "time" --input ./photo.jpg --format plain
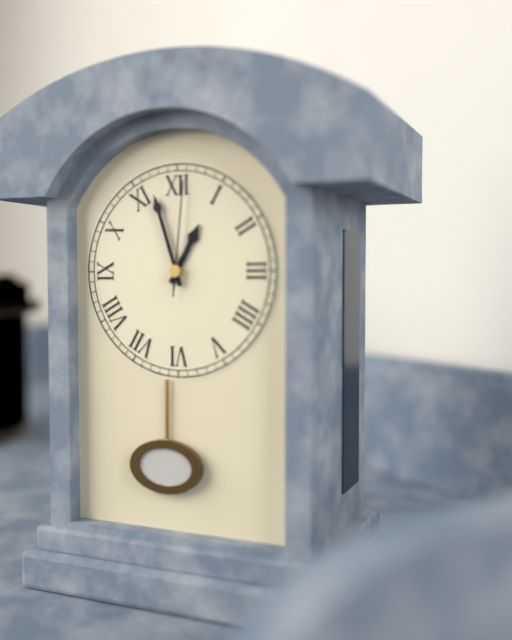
12:57:01
